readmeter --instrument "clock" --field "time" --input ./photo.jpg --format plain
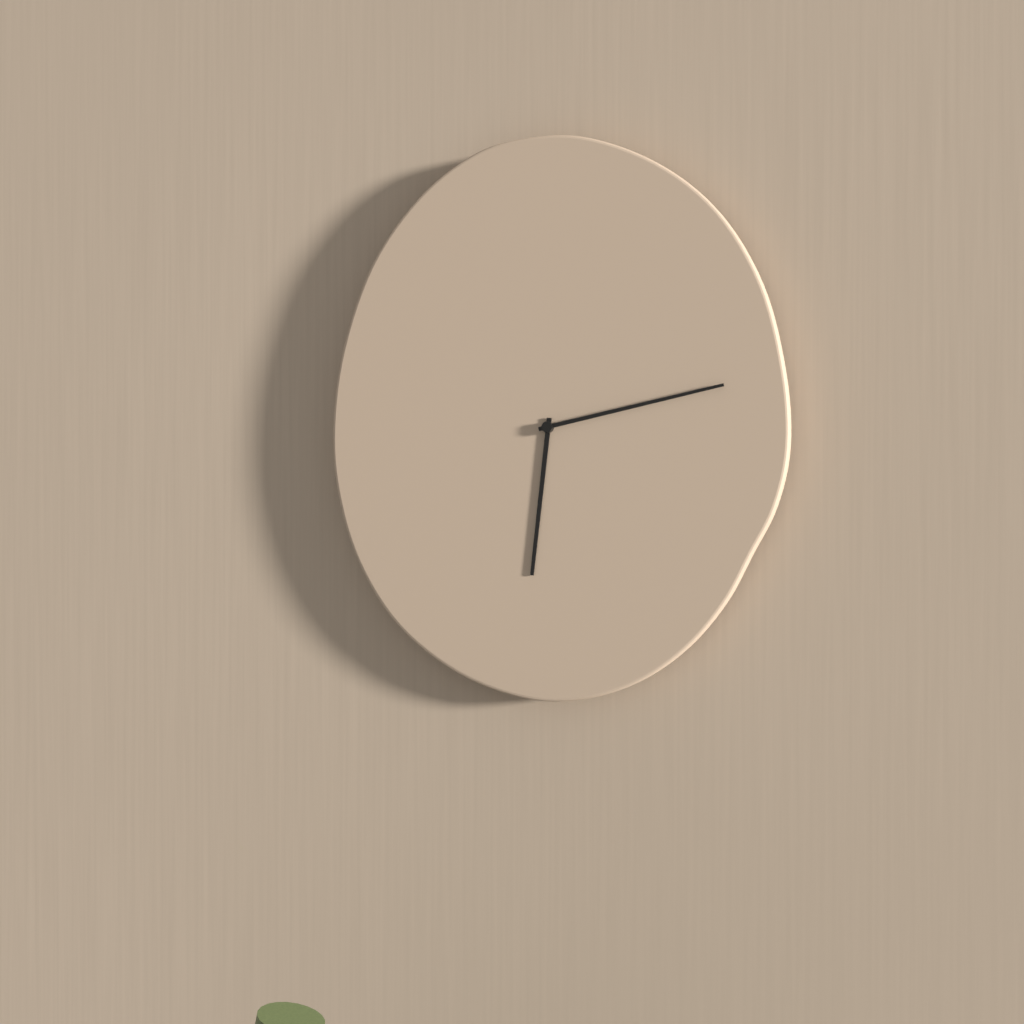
6:13
